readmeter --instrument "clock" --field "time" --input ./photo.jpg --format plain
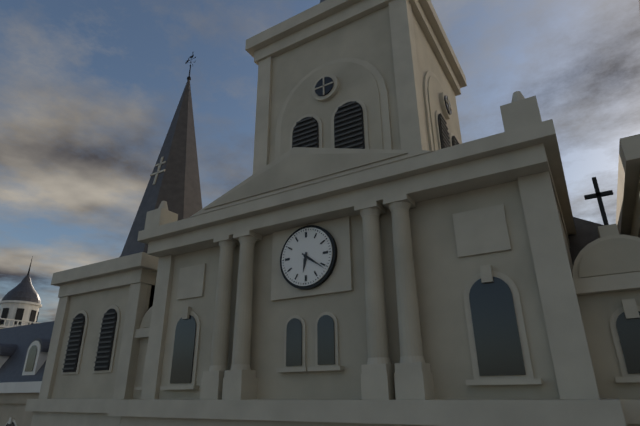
6:21
